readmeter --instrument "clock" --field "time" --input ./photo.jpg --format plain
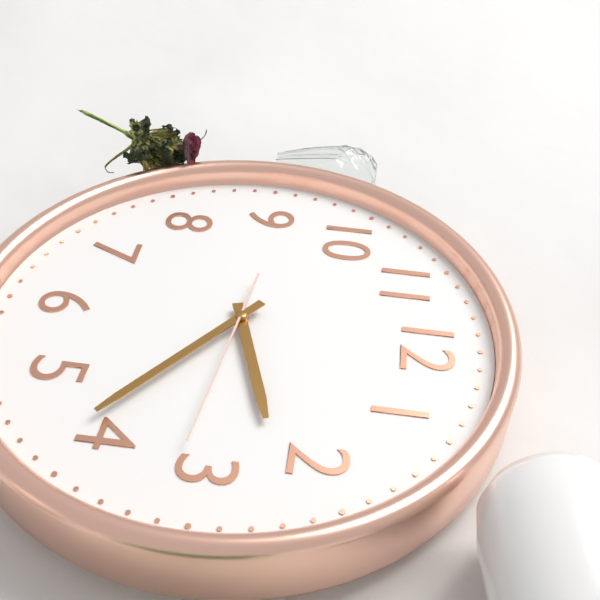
2:21:16
